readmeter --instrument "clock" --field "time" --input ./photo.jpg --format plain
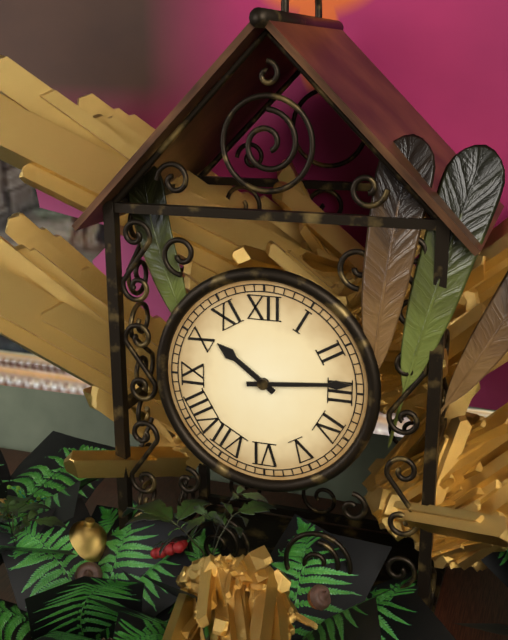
10:14
